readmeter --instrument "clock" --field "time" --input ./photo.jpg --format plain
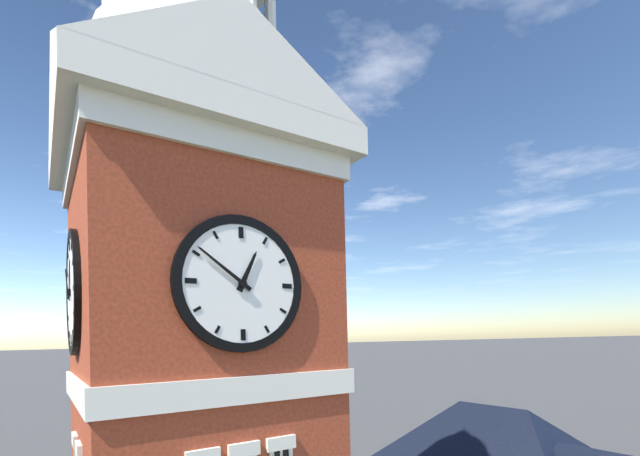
12:51
